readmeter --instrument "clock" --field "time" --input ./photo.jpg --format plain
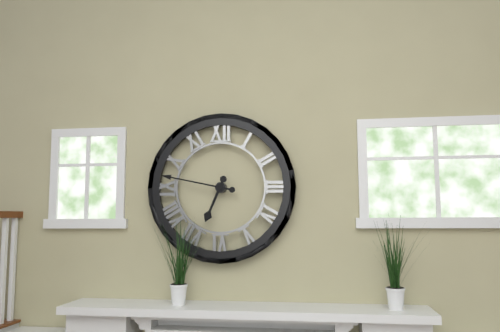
6:47
